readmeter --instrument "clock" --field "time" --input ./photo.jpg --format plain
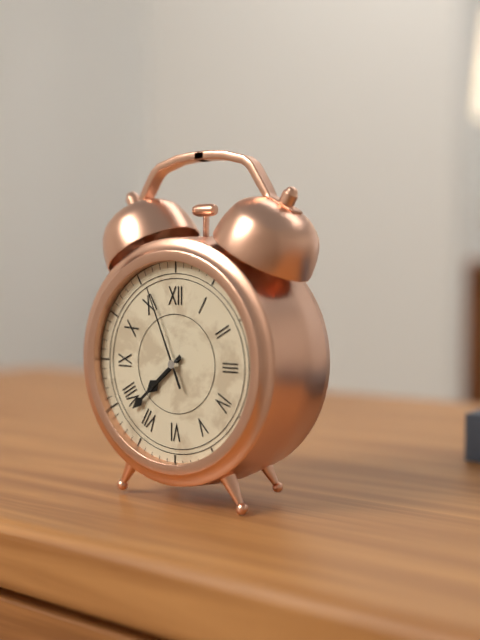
7:38:56
